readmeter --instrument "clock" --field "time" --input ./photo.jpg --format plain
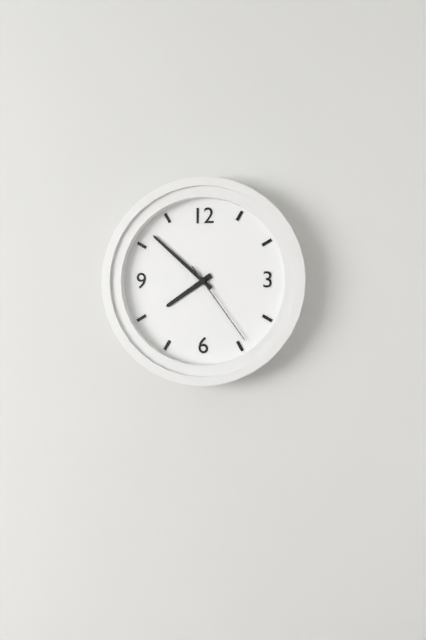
7:52:24
